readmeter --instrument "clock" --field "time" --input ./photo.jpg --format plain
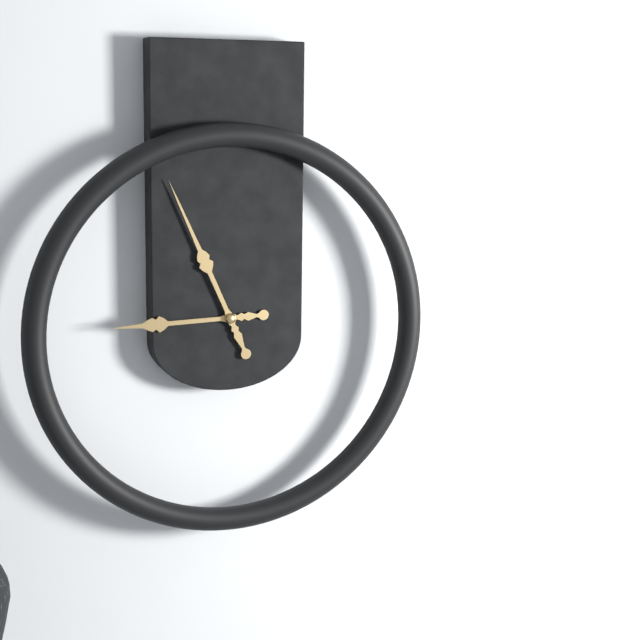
8:56
